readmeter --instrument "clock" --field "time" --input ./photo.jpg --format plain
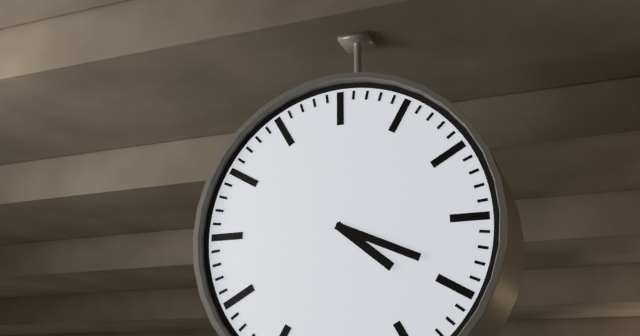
4:19
